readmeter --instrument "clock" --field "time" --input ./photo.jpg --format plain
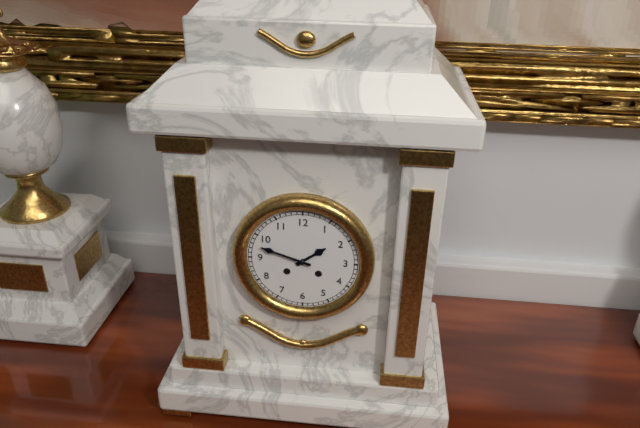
1:48
